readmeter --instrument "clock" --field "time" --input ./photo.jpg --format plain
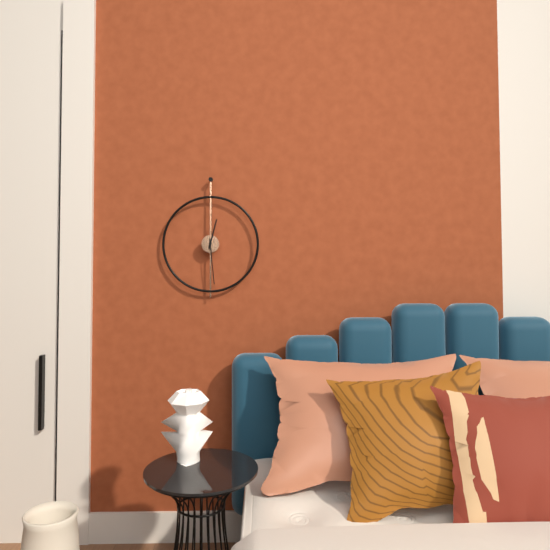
12:29
